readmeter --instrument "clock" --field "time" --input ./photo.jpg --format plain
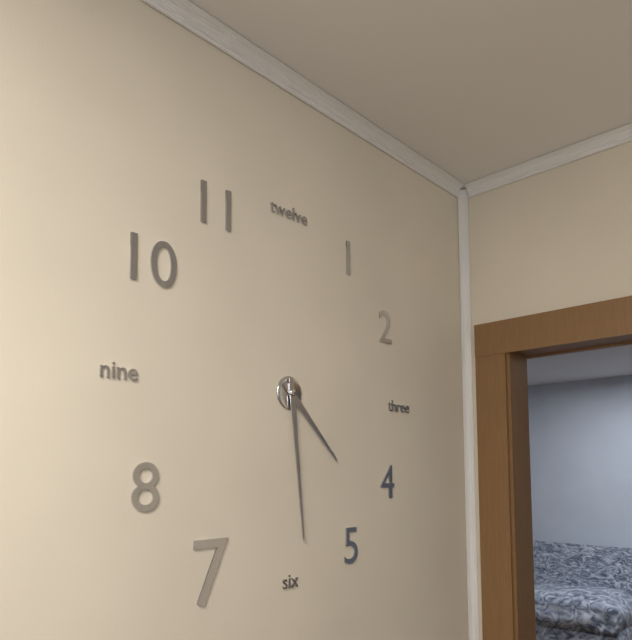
4:29
